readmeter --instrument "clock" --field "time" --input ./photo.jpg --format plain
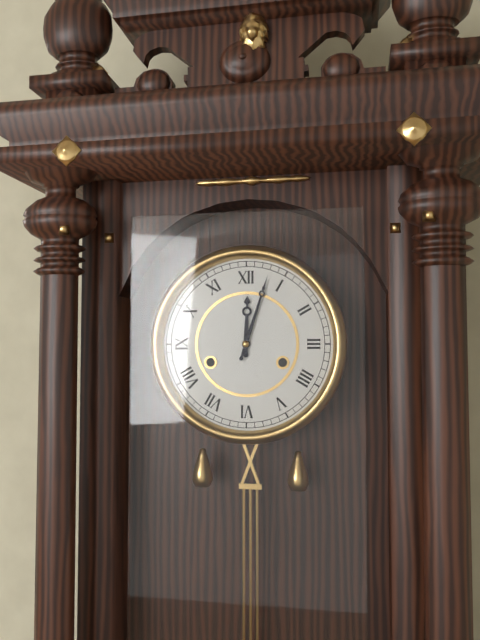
12:03
